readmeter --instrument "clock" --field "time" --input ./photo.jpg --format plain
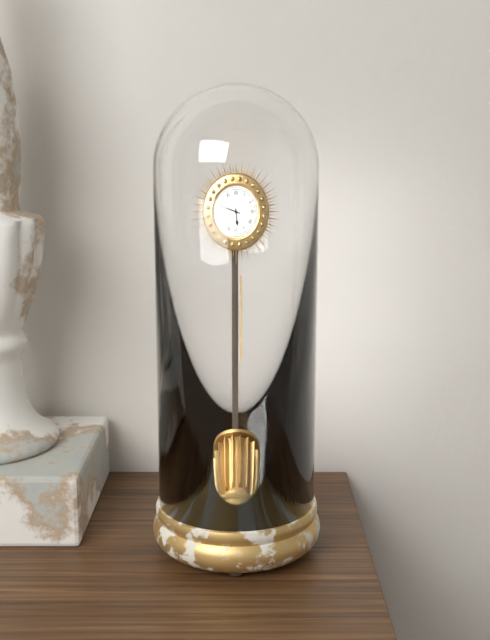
5:48
